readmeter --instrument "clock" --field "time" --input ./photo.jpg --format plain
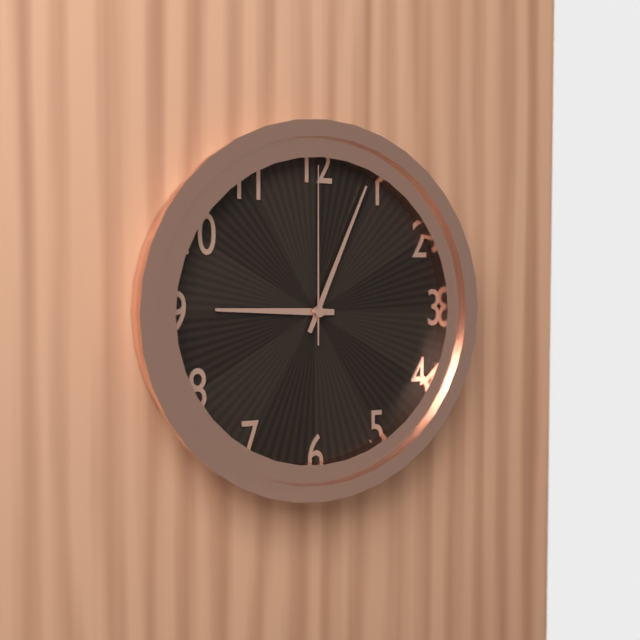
9:04:00
